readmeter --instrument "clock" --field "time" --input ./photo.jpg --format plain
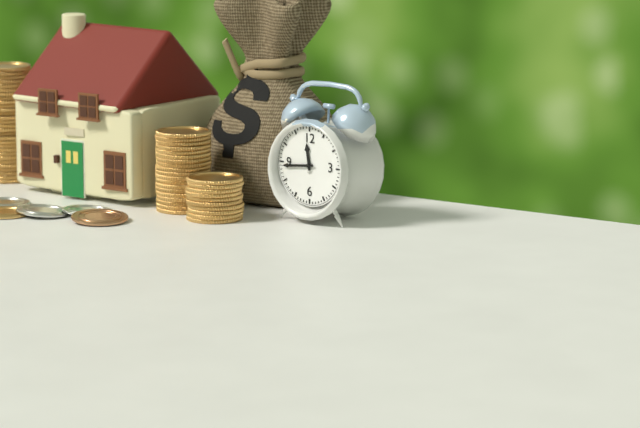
11:44
